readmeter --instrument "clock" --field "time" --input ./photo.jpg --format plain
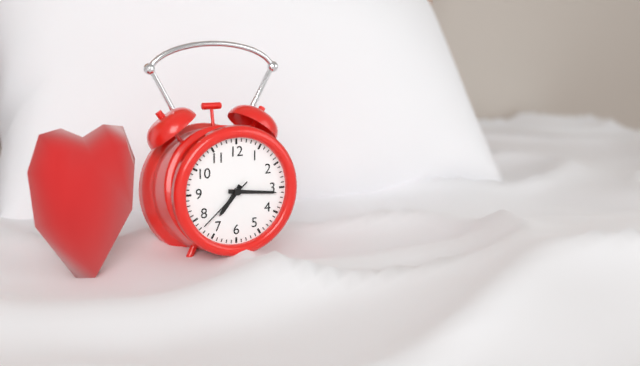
7:16:38
